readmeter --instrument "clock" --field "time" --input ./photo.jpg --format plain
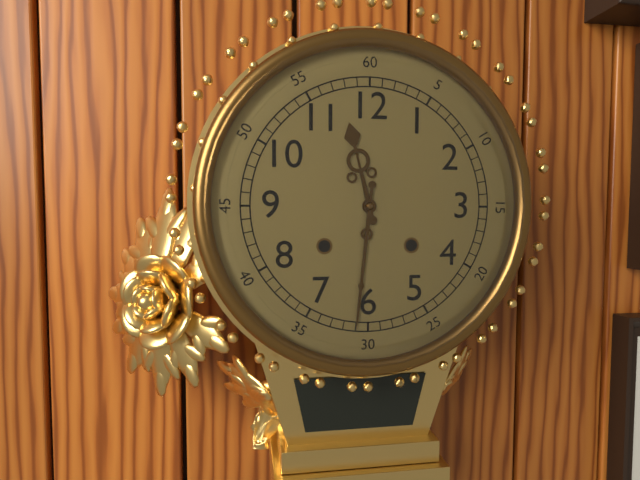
11:31
